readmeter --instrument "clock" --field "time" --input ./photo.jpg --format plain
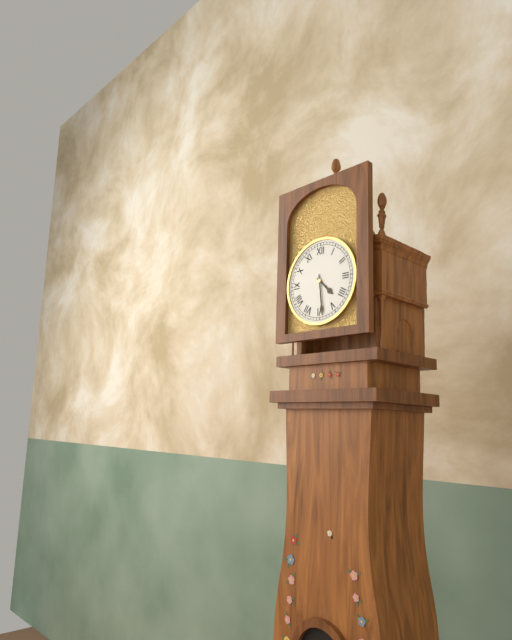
4:29
